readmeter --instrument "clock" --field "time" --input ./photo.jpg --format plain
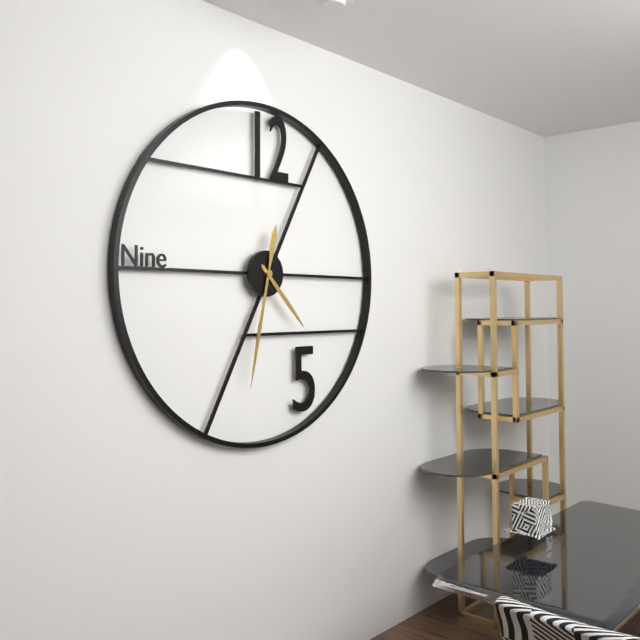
4:32
